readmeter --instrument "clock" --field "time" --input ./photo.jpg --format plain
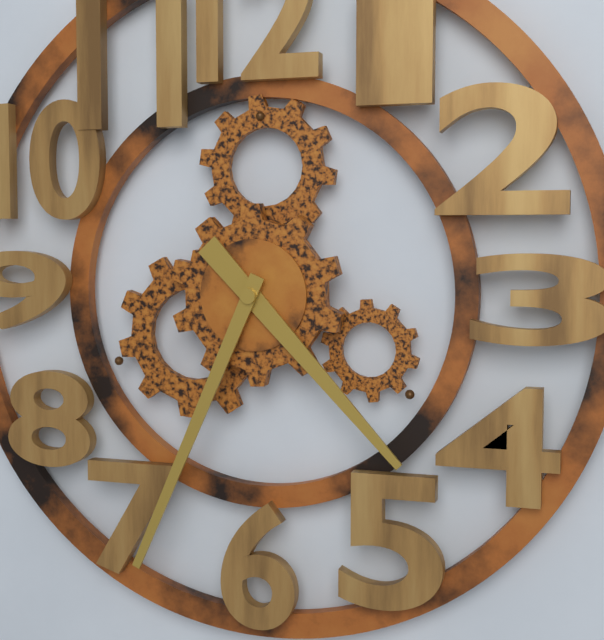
4:34
